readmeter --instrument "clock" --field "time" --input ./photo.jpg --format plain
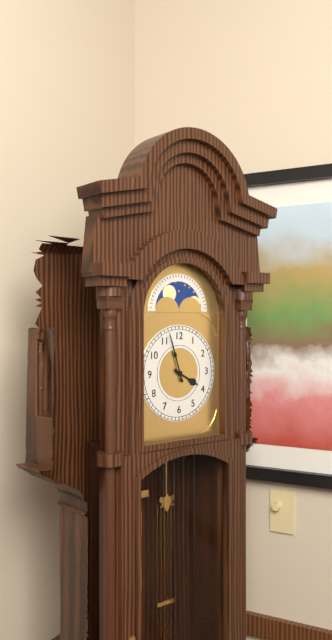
3:57
